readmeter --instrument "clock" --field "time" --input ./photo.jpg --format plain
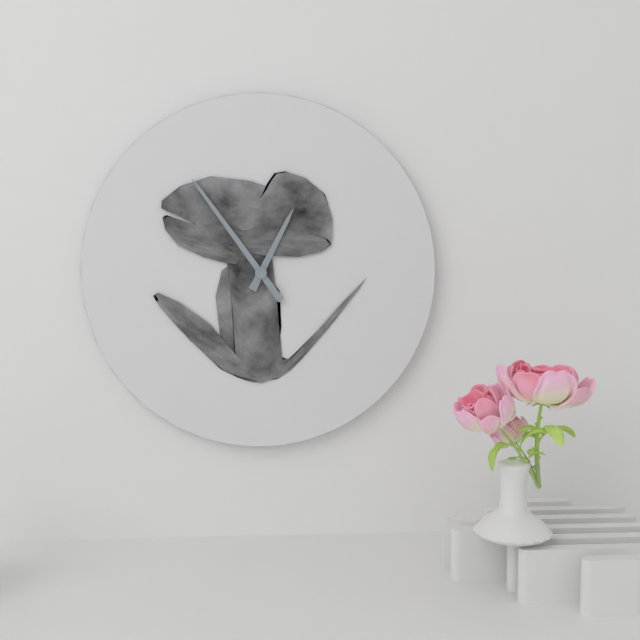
12:54
